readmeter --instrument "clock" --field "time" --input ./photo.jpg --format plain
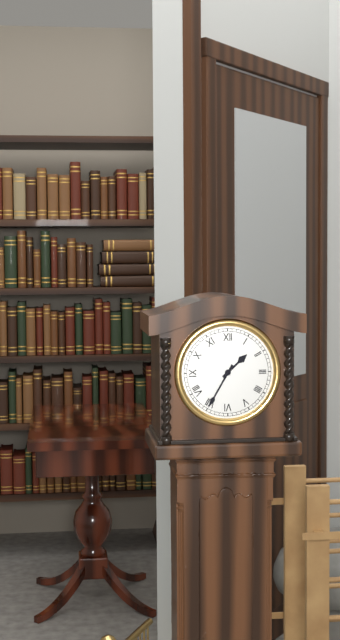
1:35
